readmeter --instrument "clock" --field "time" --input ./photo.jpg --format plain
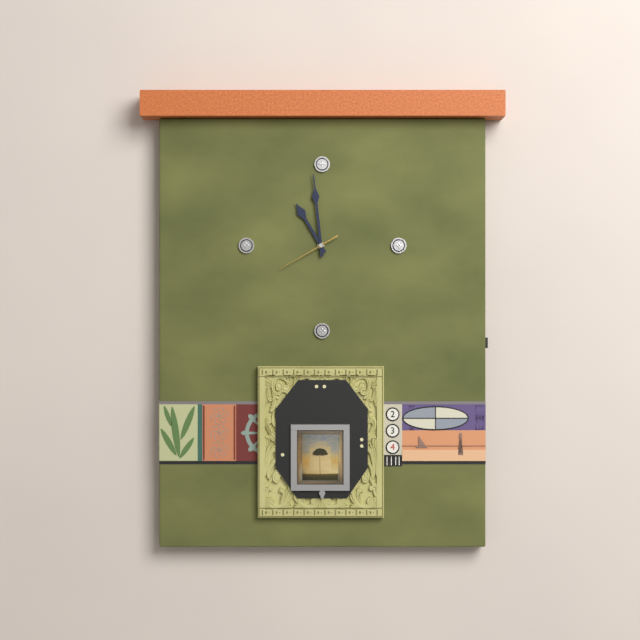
10:59:40
